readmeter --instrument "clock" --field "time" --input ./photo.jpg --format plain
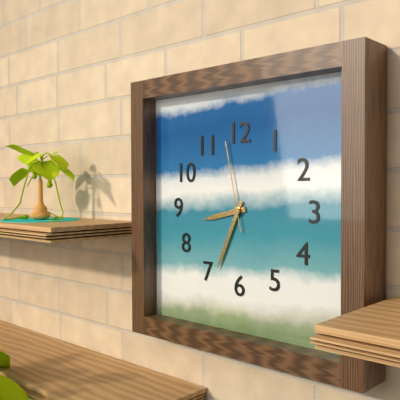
8:34:58
